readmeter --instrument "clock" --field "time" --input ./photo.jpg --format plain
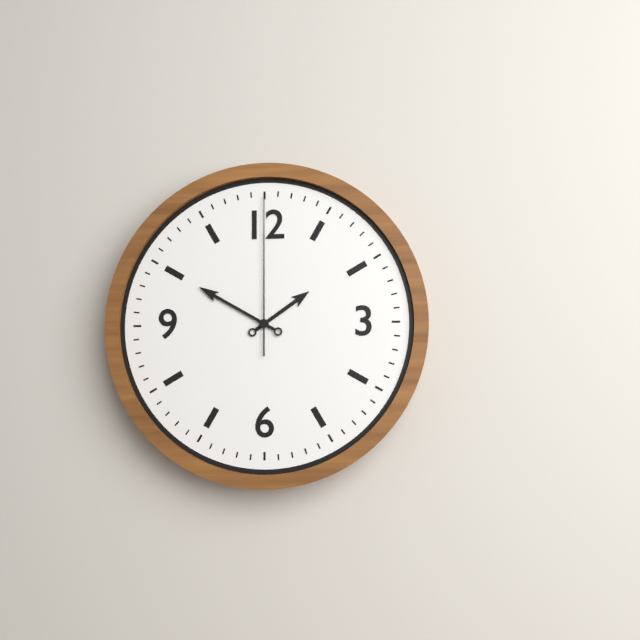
1:50:00
